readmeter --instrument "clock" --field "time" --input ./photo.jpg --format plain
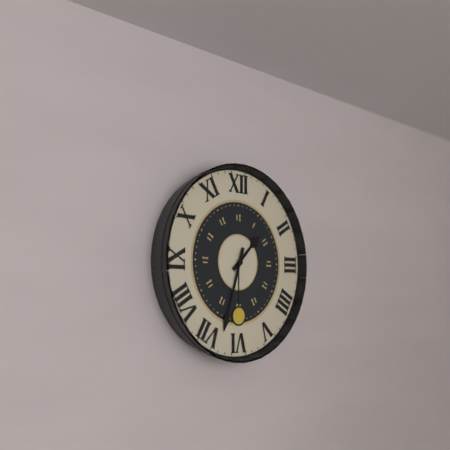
1:33
